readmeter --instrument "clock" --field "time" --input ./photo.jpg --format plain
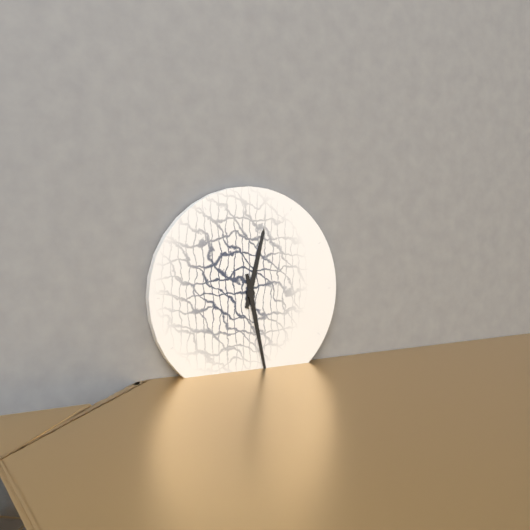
12:28
